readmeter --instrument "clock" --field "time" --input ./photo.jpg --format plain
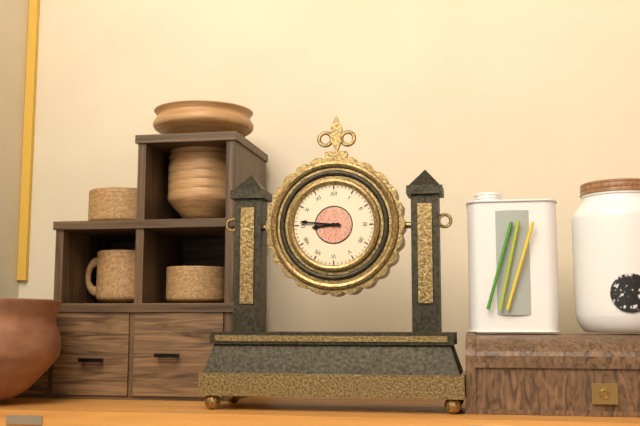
8:46
